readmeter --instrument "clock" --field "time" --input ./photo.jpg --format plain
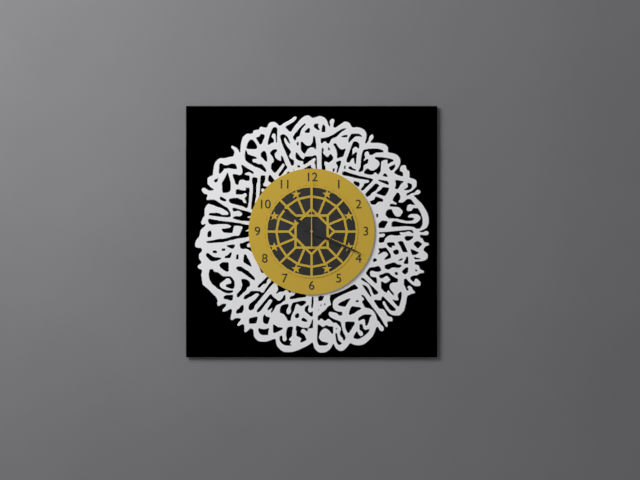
10:19:00
